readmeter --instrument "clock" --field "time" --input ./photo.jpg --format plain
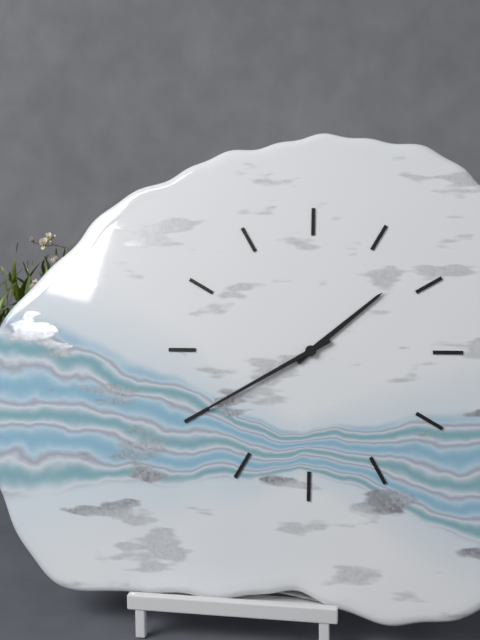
1:40
